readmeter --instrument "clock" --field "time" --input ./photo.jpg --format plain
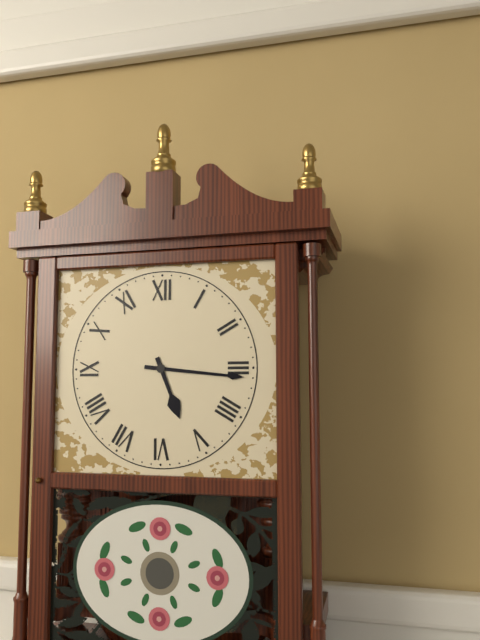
5:16
